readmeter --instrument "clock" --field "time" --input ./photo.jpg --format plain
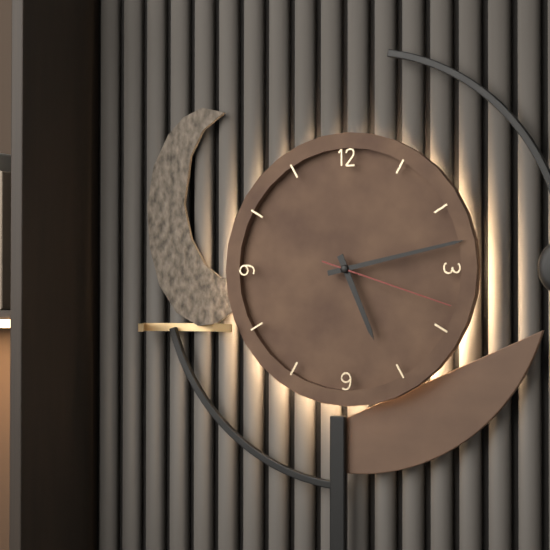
5:13:18
